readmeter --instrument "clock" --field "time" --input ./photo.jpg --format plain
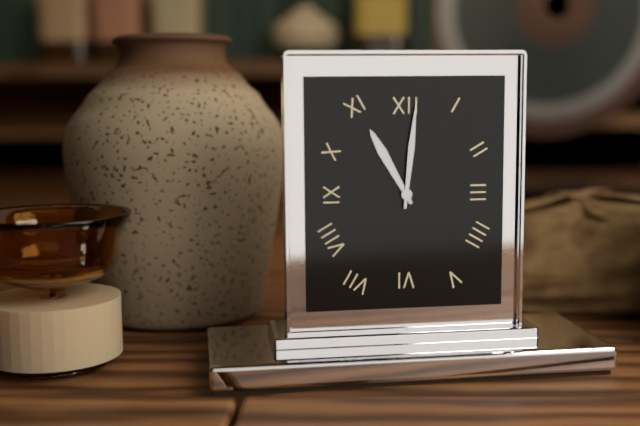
11:01
